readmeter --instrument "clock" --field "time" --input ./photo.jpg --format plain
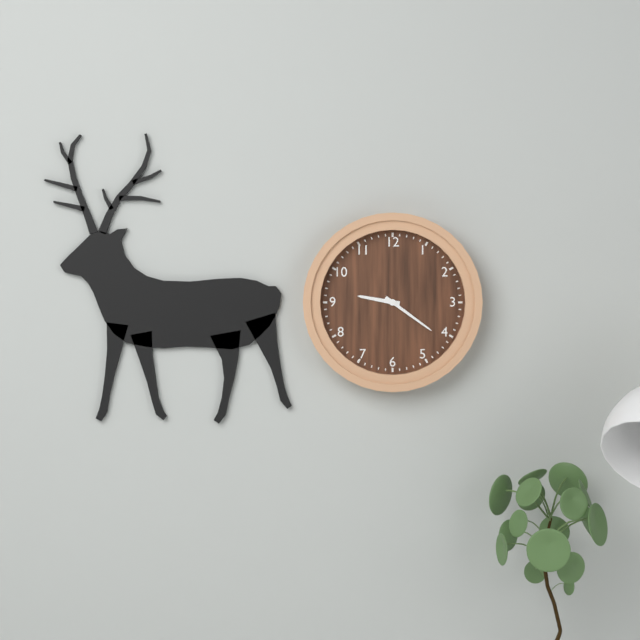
9:21
